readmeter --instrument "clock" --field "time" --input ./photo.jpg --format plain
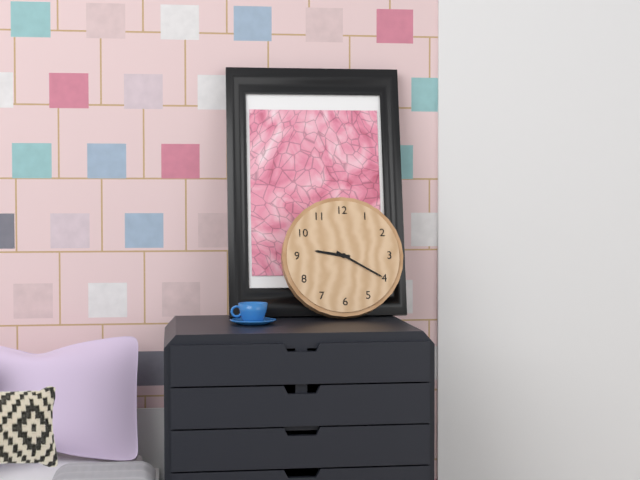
9:20
